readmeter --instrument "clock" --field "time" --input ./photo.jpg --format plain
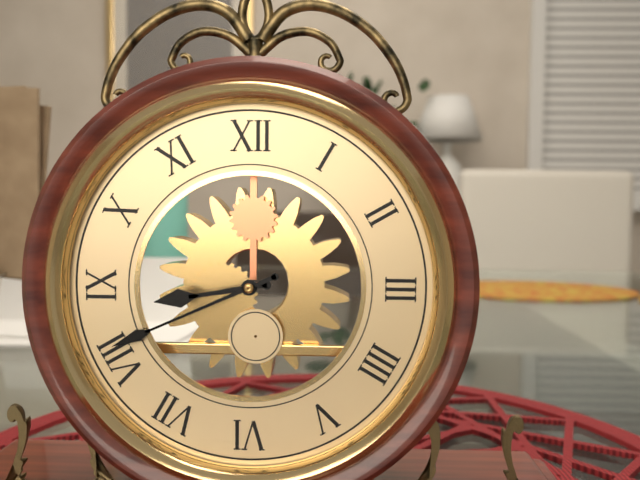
8:41
